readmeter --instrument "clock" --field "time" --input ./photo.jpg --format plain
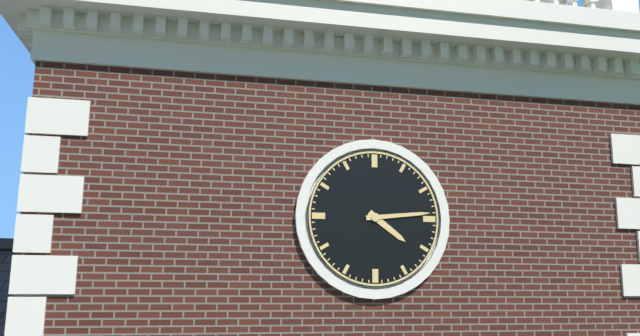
4:14
